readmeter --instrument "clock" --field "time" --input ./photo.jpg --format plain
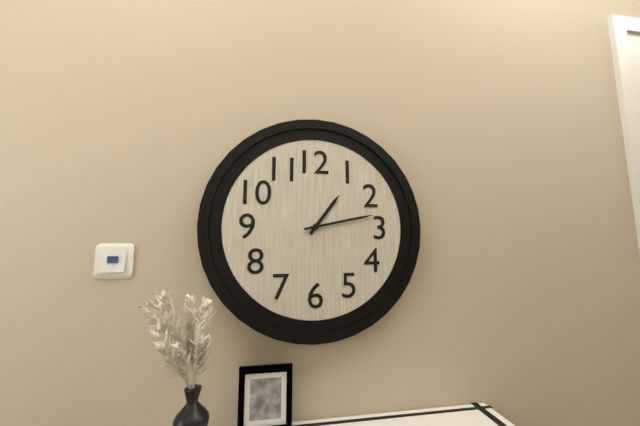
1:13
